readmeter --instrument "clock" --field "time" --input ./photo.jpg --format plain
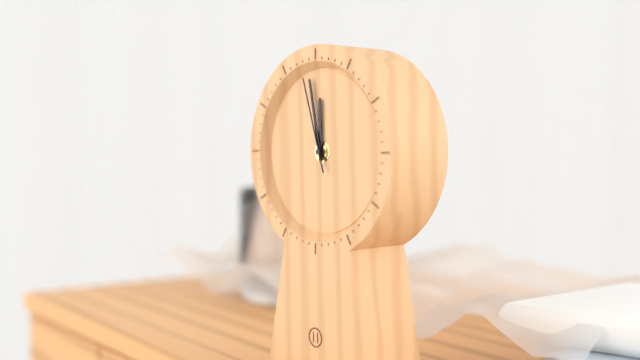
11:58:57
